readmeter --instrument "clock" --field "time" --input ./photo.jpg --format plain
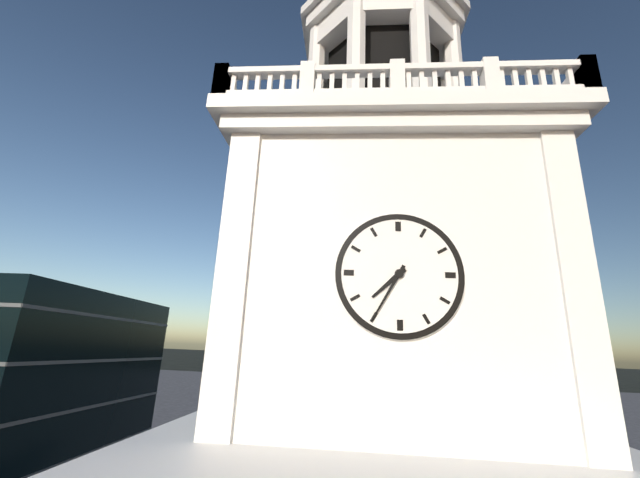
7:35
